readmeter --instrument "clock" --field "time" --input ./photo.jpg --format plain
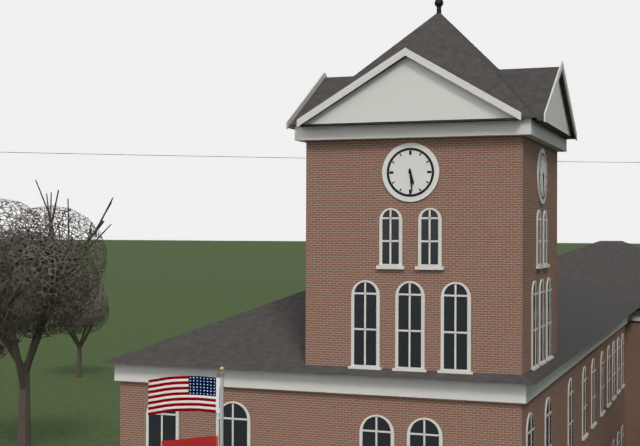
5:29
